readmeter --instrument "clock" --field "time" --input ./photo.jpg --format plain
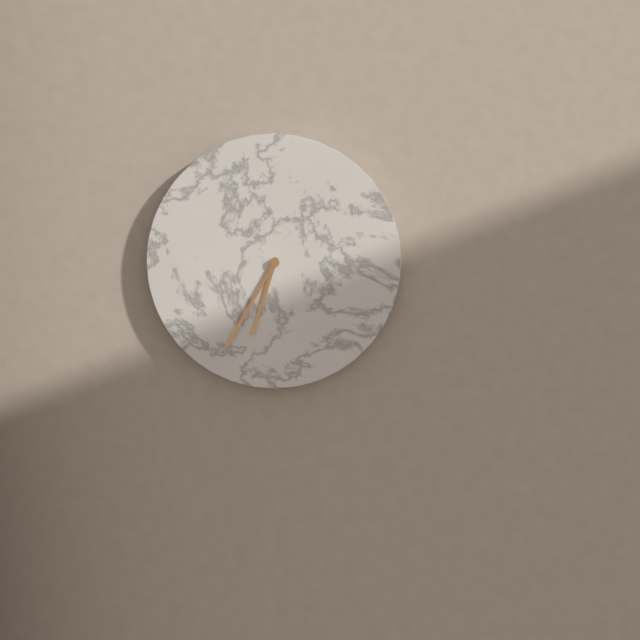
6:35
